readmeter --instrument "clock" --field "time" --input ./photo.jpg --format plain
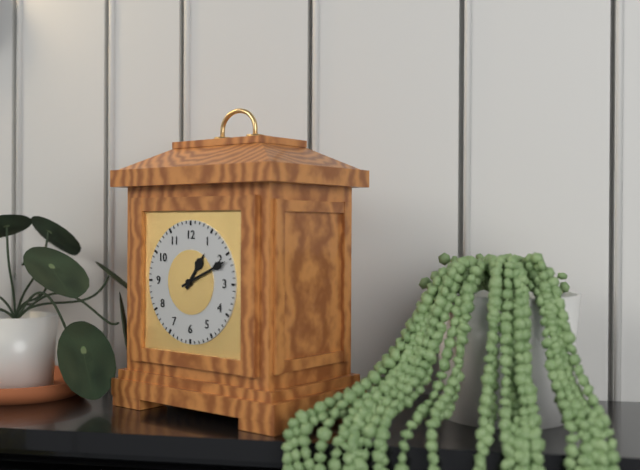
1:11
